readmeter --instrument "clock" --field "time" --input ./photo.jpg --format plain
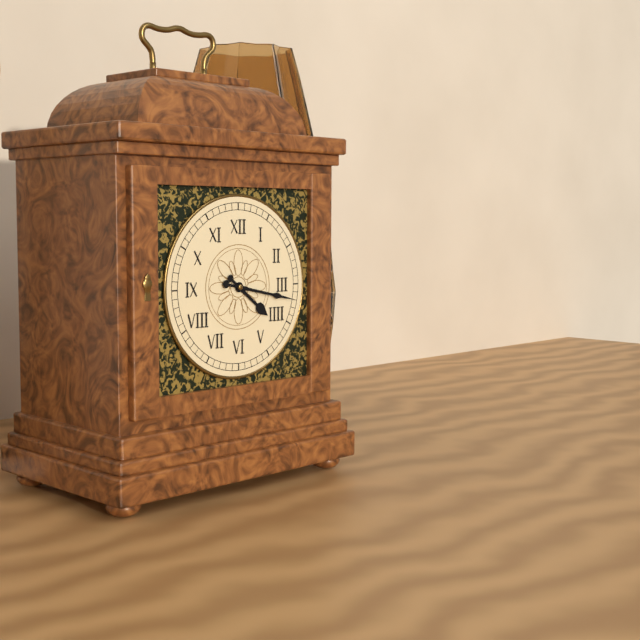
4:17
